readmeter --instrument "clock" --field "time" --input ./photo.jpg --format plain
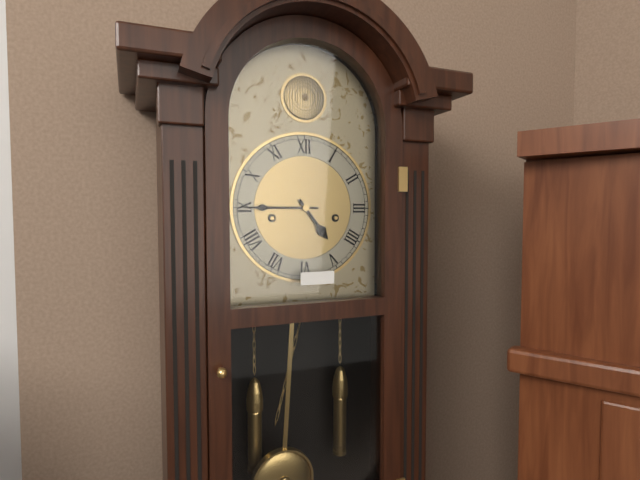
4:45
